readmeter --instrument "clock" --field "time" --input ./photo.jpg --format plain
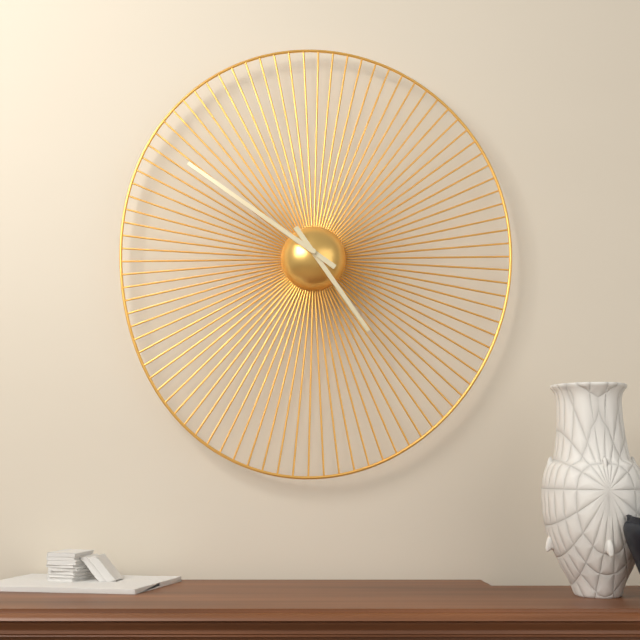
4:51
